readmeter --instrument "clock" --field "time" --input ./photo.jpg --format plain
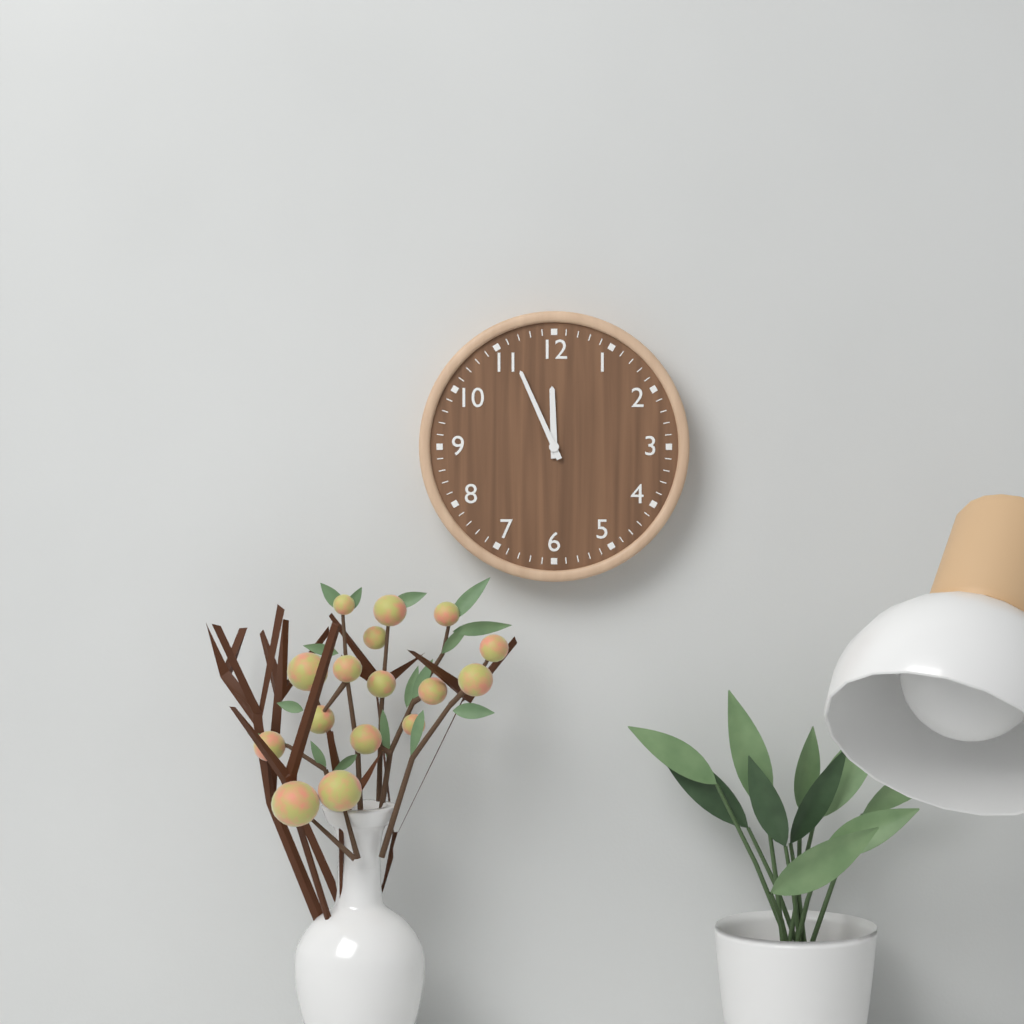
11:56
